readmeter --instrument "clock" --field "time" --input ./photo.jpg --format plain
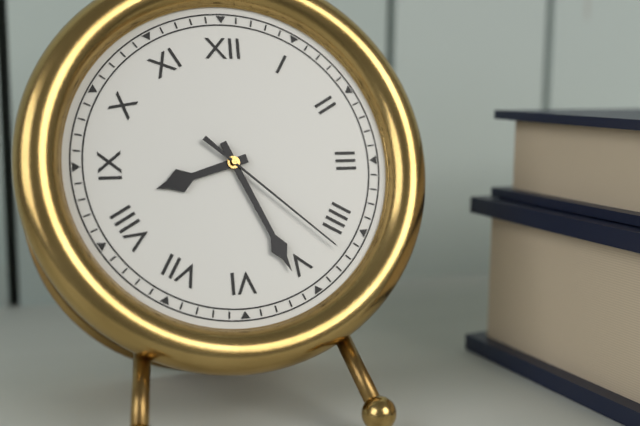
8:26:22
